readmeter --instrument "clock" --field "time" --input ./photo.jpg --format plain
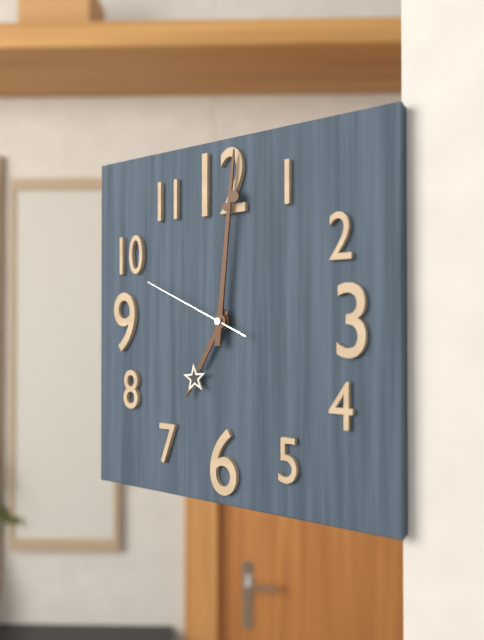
7:01:49
